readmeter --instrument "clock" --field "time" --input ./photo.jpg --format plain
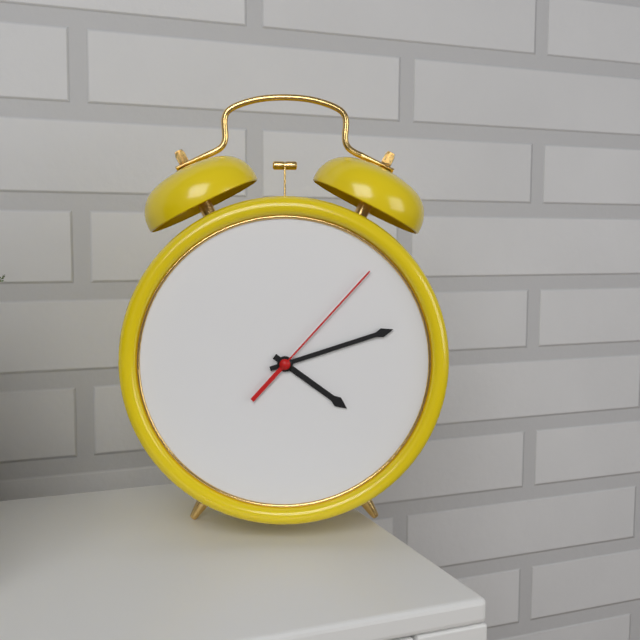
4:12:07
